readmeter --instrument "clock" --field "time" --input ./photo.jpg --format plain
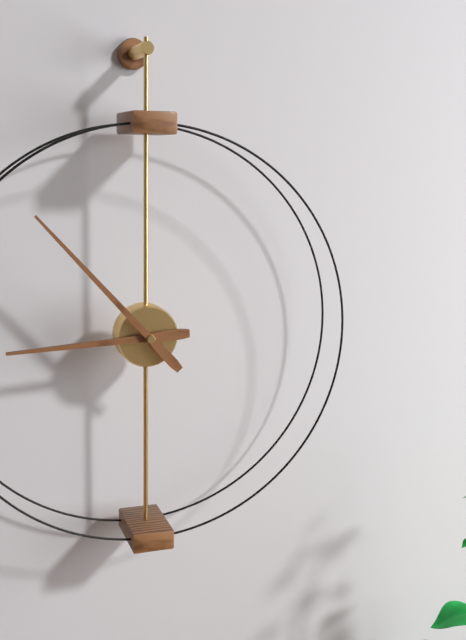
8:53
